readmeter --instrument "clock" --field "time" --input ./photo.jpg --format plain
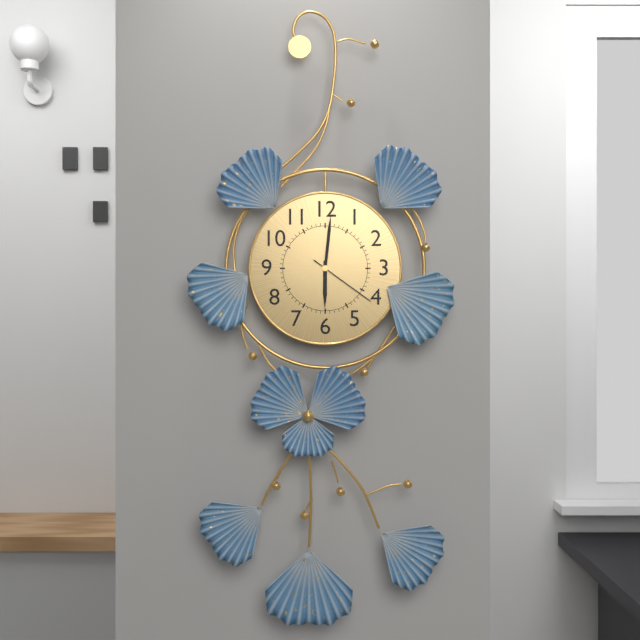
6:01:21
